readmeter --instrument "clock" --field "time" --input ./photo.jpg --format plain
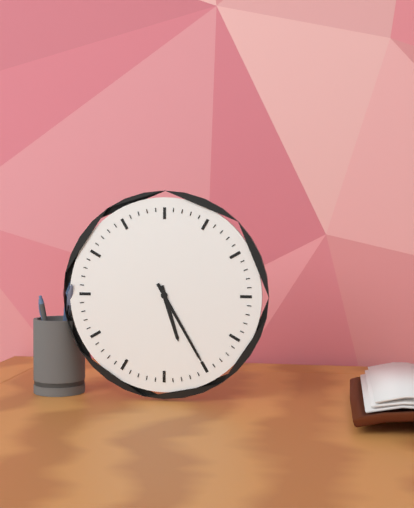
5:25
